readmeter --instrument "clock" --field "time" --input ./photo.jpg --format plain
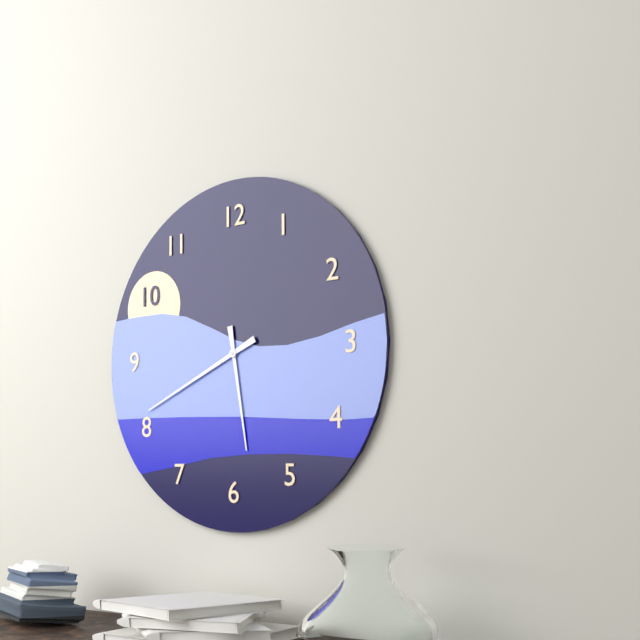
5:41
